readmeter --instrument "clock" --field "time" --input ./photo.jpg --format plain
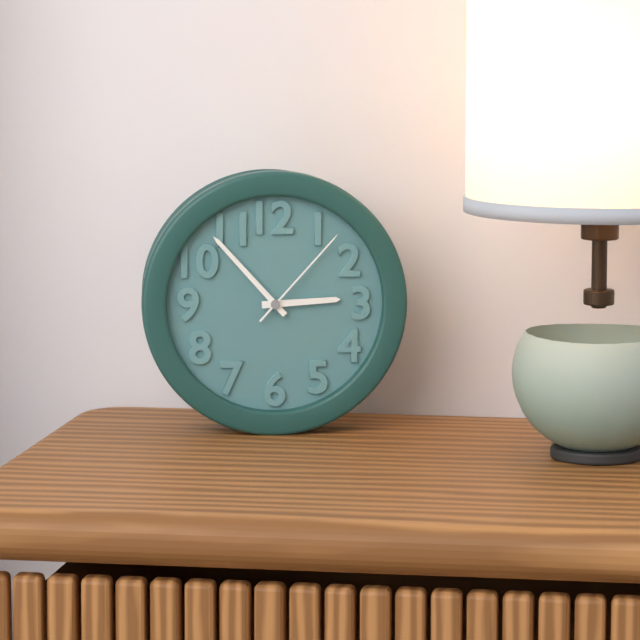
2:53:07
